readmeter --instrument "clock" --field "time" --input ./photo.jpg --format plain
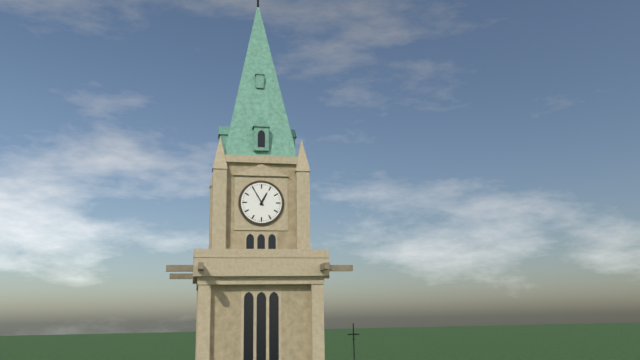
12:55
